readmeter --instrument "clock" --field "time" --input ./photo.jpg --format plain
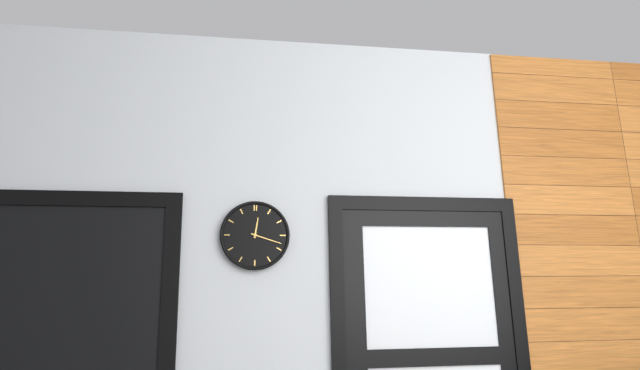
12:18
